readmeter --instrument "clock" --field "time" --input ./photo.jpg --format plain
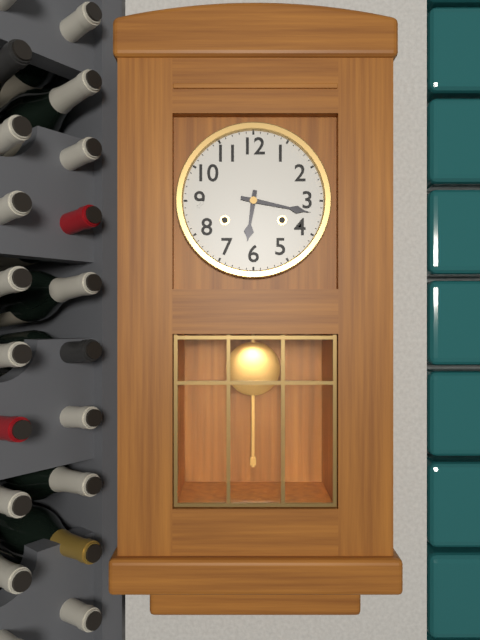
6:17
